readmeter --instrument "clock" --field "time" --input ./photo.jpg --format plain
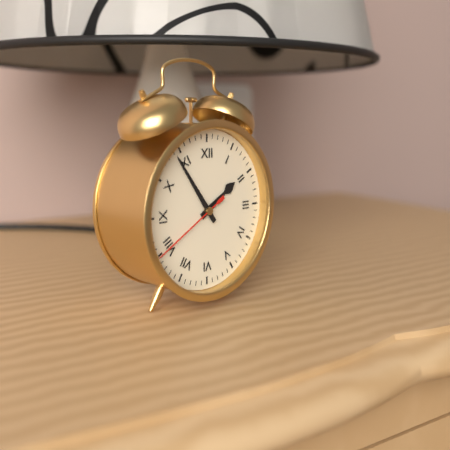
1:54:40
